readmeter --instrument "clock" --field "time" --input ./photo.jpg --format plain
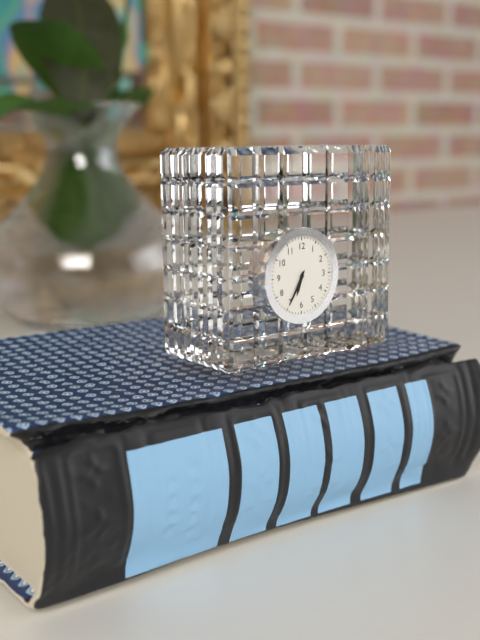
6:35
